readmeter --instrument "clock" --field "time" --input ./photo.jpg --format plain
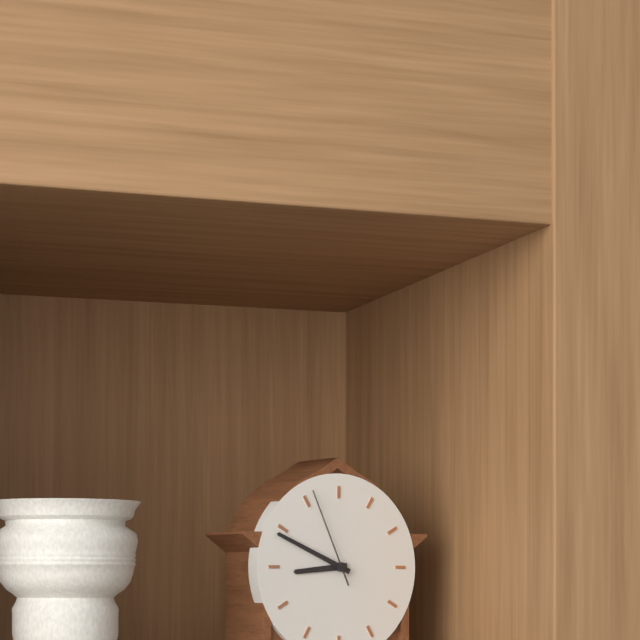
8:49:56
